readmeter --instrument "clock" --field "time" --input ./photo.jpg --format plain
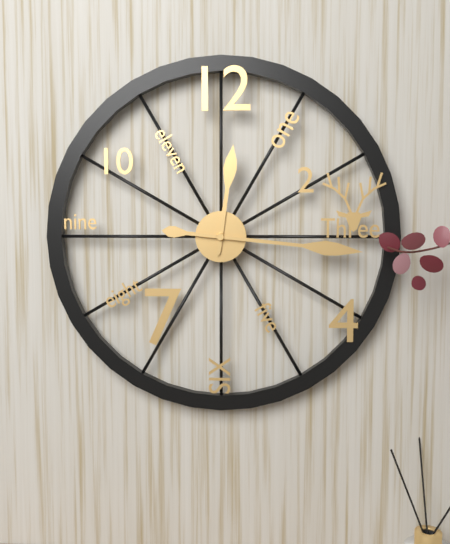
12:16
